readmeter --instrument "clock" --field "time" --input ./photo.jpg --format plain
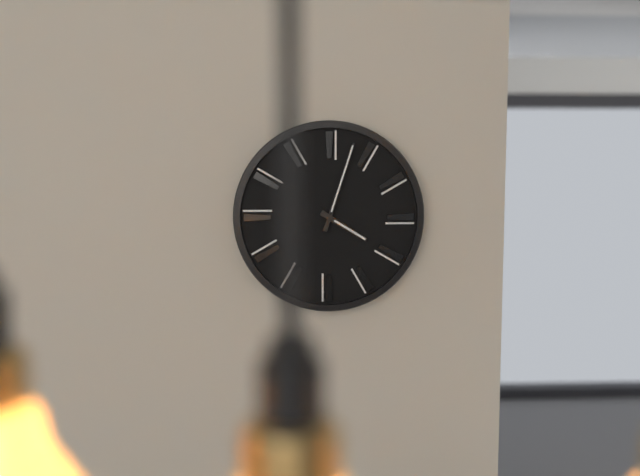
4:03
